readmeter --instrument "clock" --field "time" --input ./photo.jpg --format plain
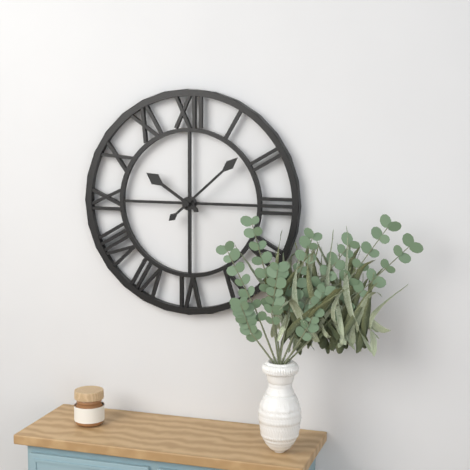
10:08
